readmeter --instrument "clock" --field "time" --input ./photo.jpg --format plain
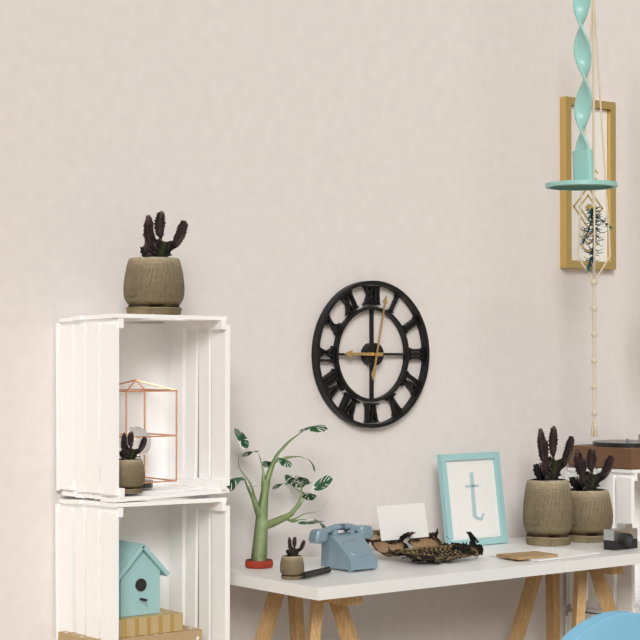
9:02
